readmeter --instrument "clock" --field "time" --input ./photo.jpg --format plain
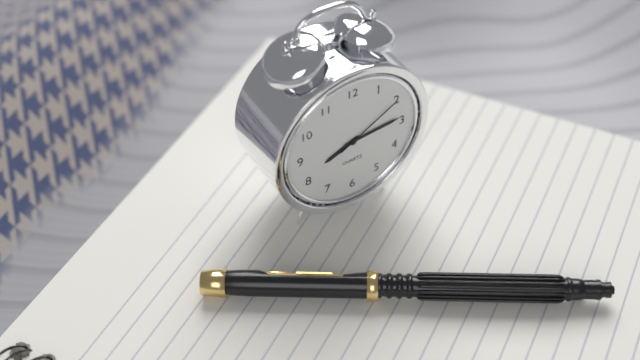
8:14:10
